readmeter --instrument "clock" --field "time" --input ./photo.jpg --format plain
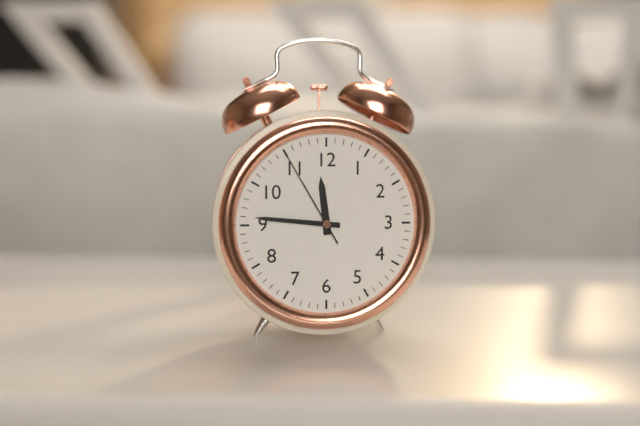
11:46:55
